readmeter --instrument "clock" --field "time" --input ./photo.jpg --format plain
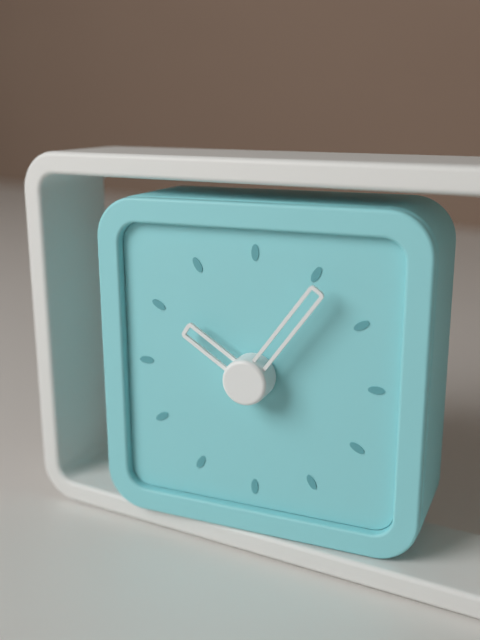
10:06
